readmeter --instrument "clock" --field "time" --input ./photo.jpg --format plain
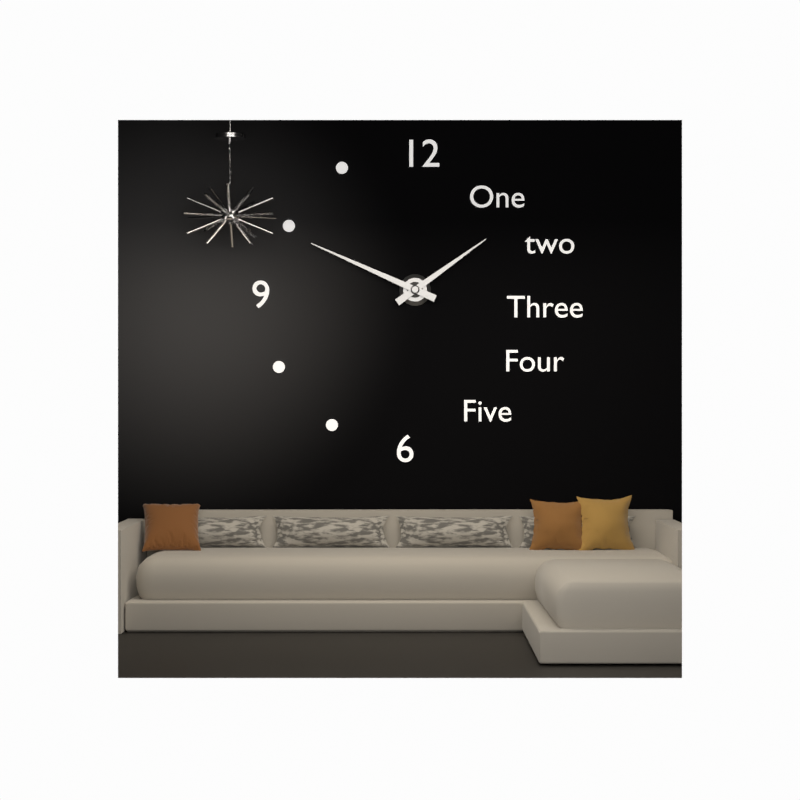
1:49
